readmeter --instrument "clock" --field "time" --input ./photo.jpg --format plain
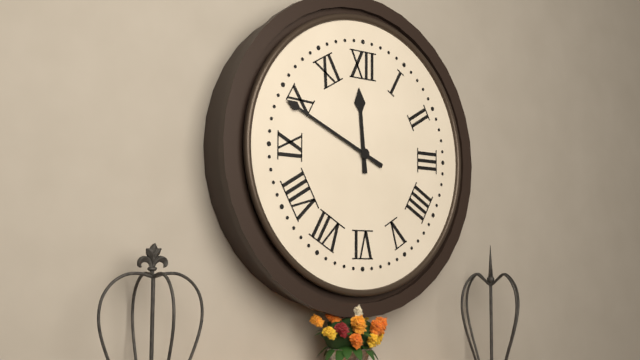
11:49
